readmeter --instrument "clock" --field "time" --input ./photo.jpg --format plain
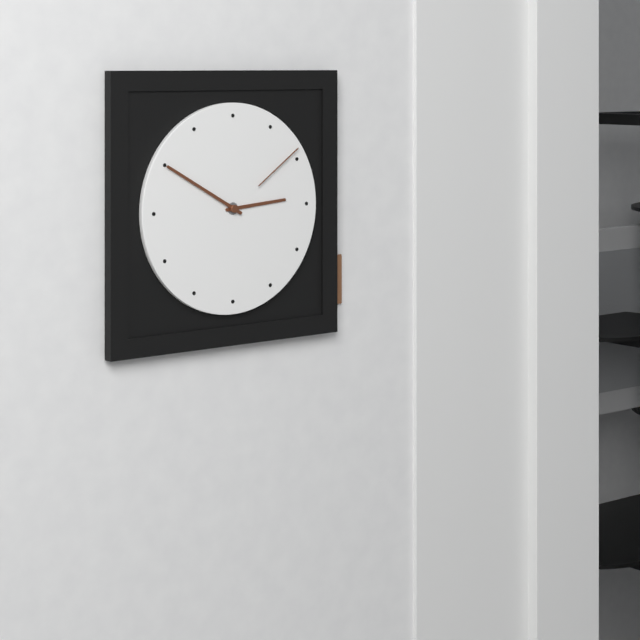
2:50:09
